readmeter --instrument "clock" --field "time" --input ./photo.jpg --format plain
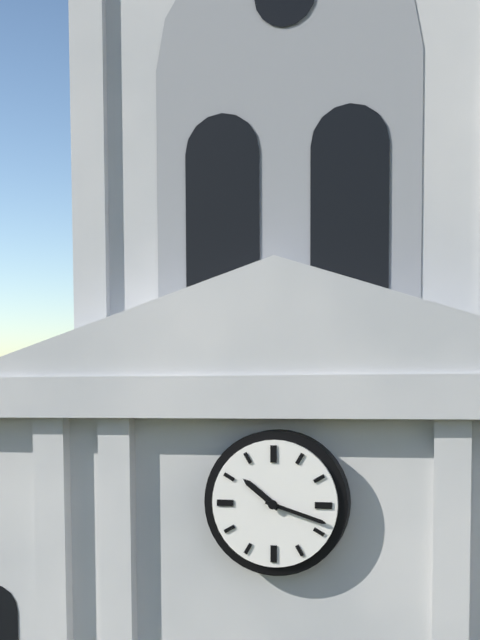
10:18
